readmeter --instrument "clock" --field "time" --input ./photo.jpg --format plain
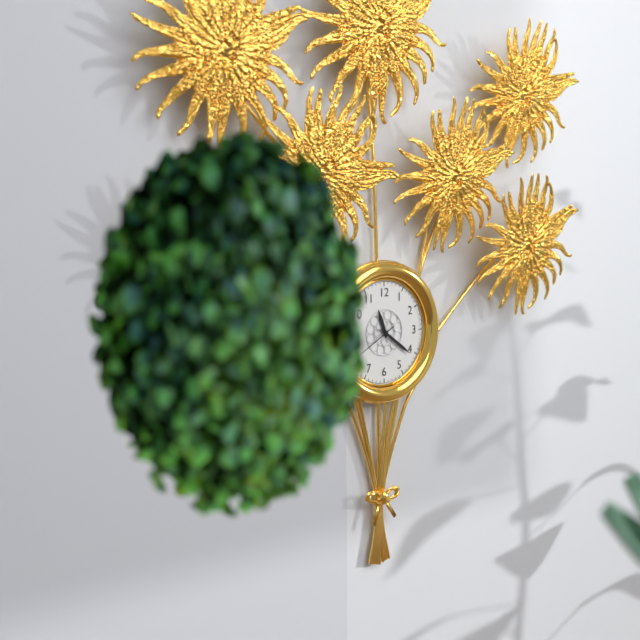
11:21
